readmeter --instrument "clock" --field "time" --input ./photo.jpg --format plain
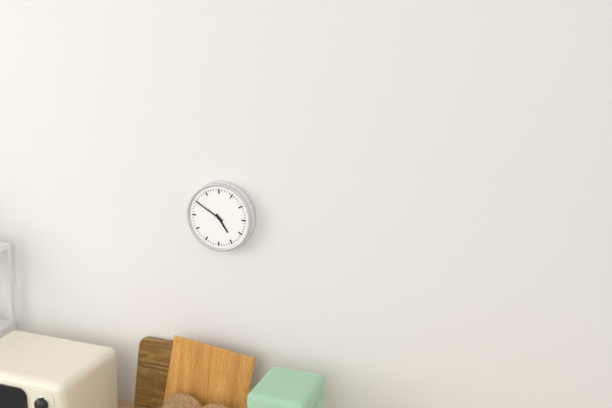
4:50
